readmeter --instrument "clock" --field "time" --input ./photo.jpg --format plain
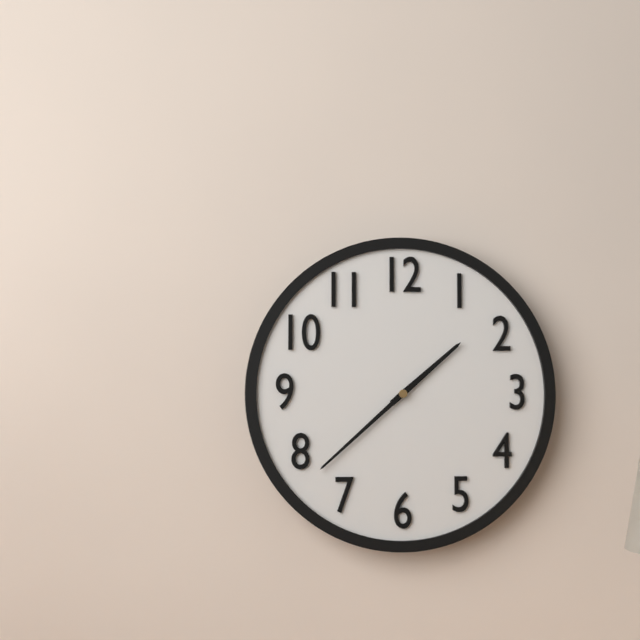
1:38
